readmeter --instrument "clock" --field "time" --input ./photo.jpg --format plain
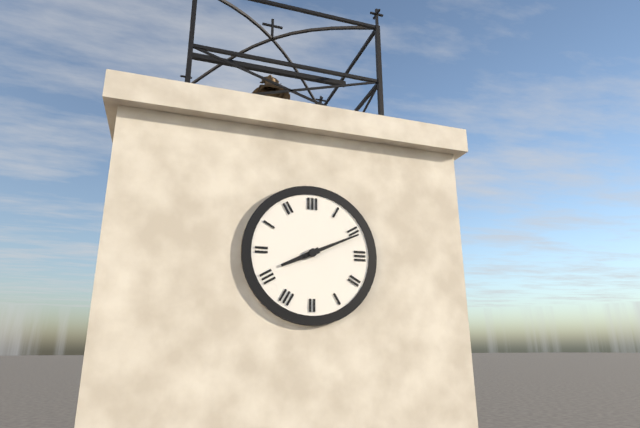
8:11
